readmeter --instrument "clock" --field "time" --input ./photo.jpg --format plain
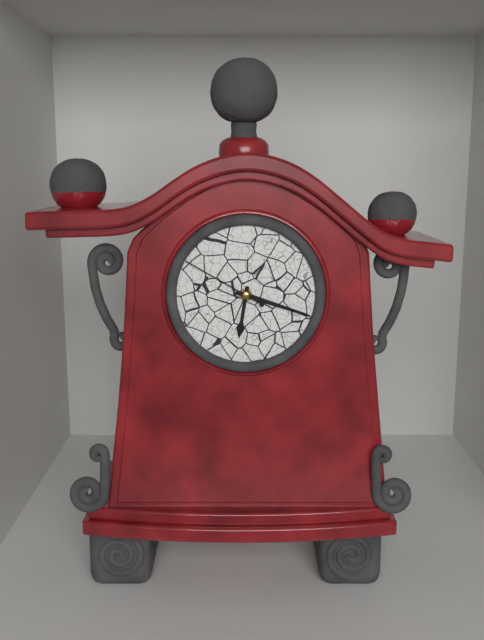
6:18:50
